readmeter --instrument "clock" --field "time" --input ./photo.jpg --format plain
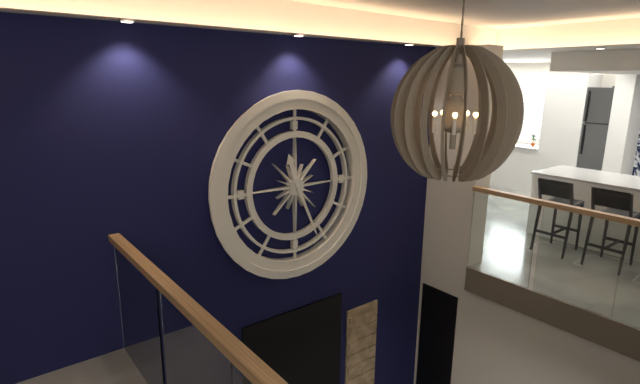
11:26
